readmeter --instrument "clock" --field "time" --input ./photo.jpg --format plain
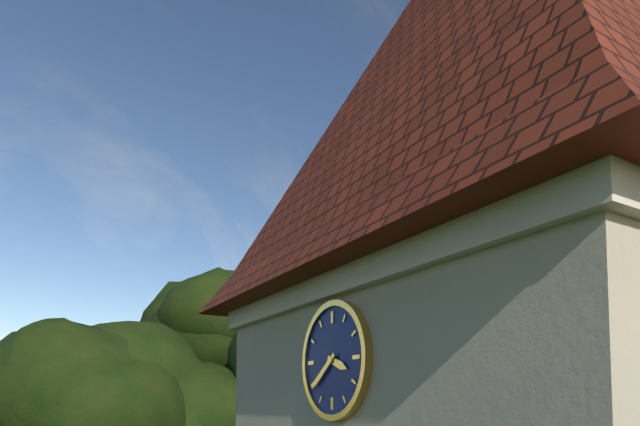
3:39
